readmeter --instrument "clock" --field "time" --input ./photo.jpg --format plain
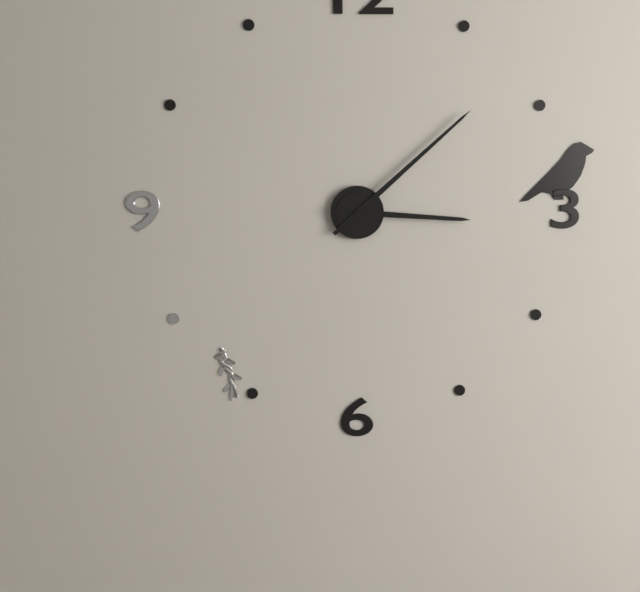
3:08
